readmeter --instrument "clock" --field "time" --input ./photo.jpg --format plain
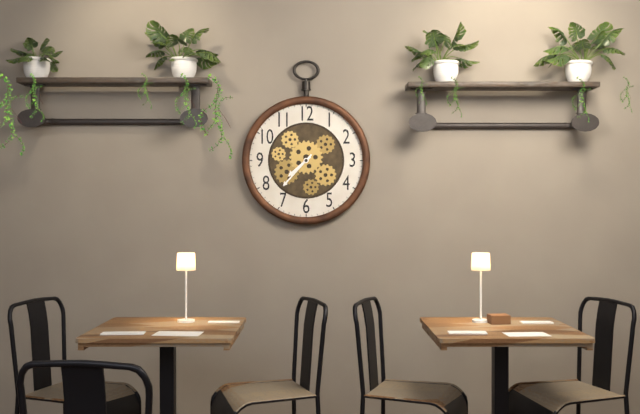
7:37
